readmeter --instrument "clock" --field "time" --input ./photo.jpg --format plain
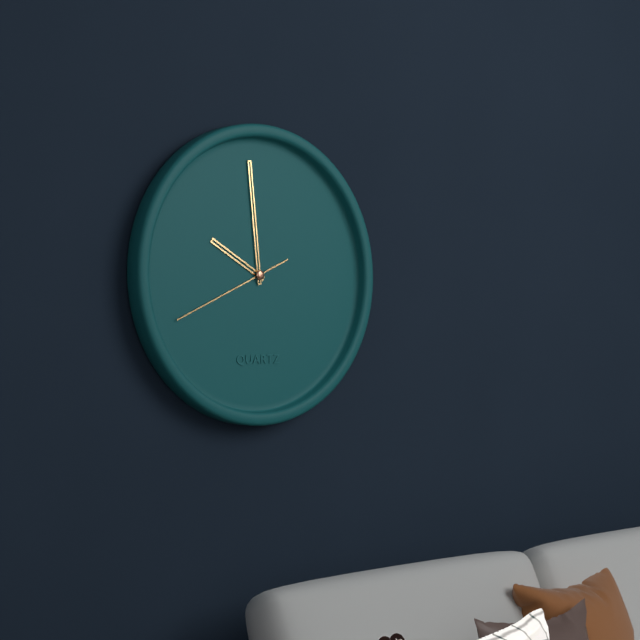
9:59:41
